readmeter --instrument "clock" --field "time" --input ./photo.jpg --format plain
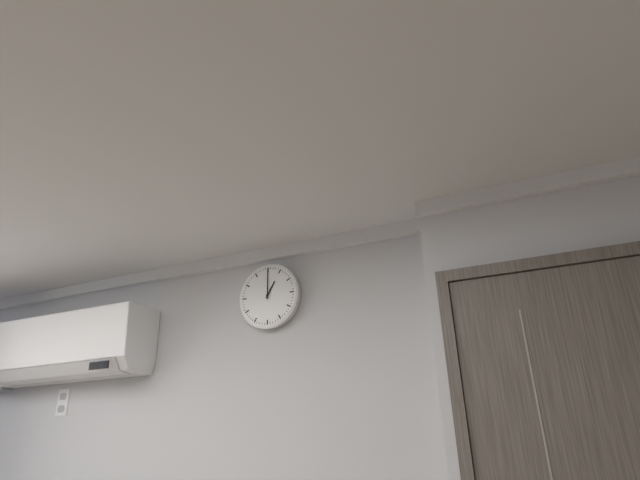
1:00
